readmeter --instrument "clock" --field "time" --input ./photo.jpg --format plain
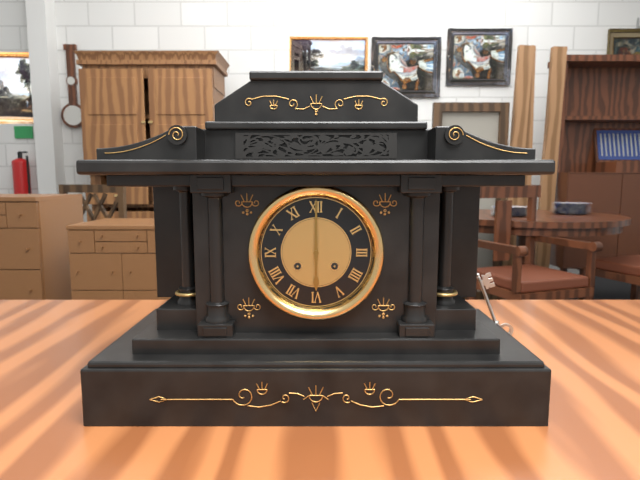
6:00
